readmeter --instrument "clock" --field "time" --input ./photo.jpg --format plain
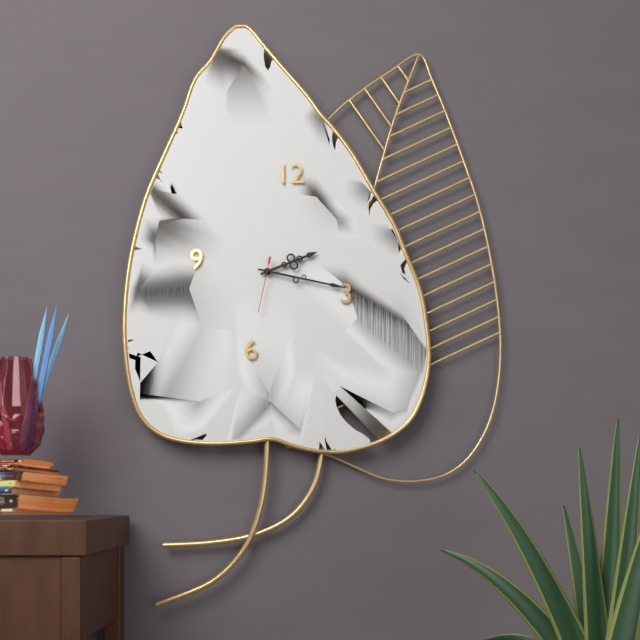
2:17:32
